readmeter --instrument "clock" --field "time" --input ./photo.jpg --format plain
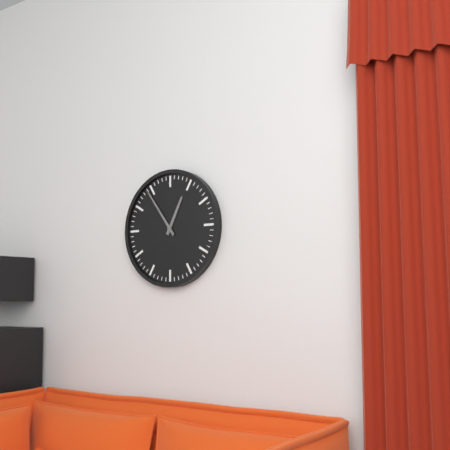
12:54
